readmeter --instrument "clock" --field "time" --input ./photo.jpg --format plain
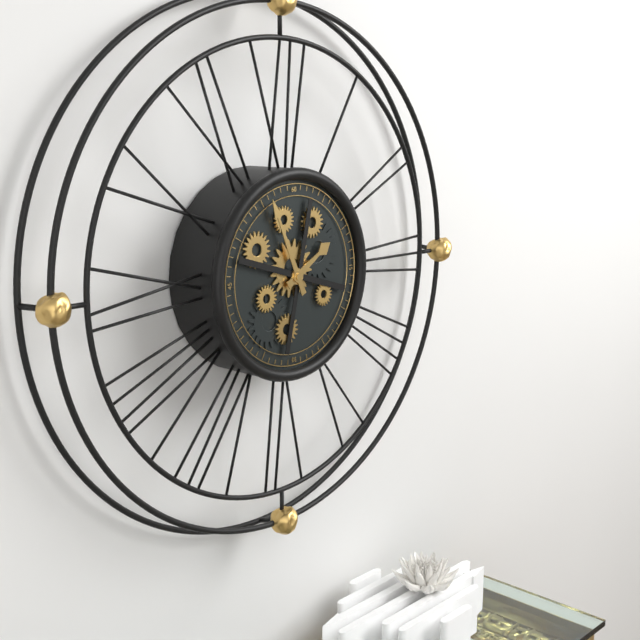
1:56
